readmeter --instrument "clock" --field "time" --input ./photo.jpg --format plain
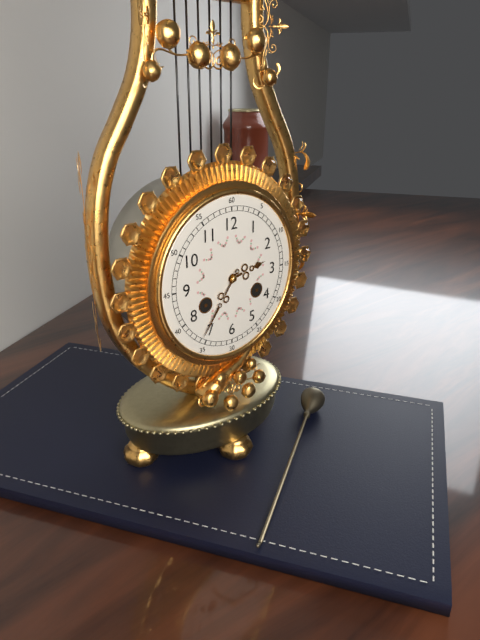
2:36
